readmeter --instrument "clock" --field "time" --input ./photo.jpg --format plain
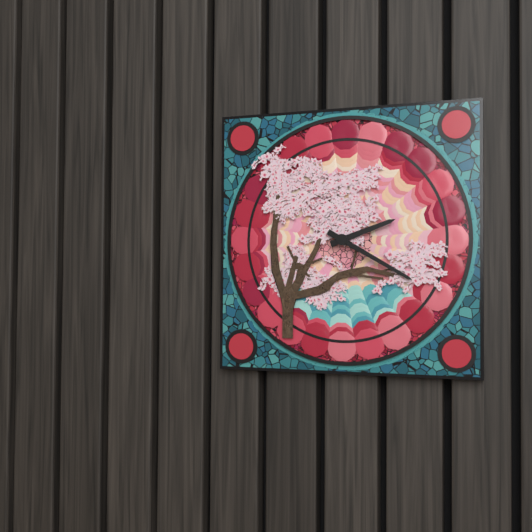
2:20
